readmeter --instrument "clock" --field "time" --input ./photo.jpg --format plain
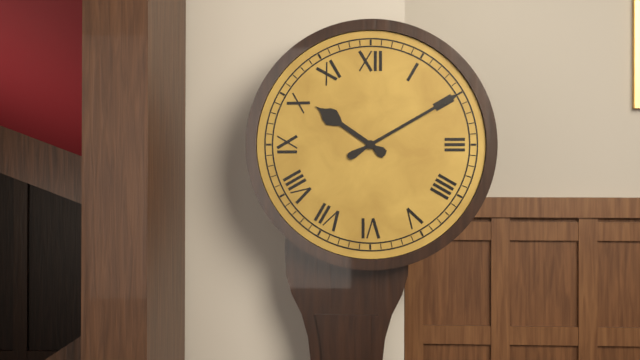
10:10
